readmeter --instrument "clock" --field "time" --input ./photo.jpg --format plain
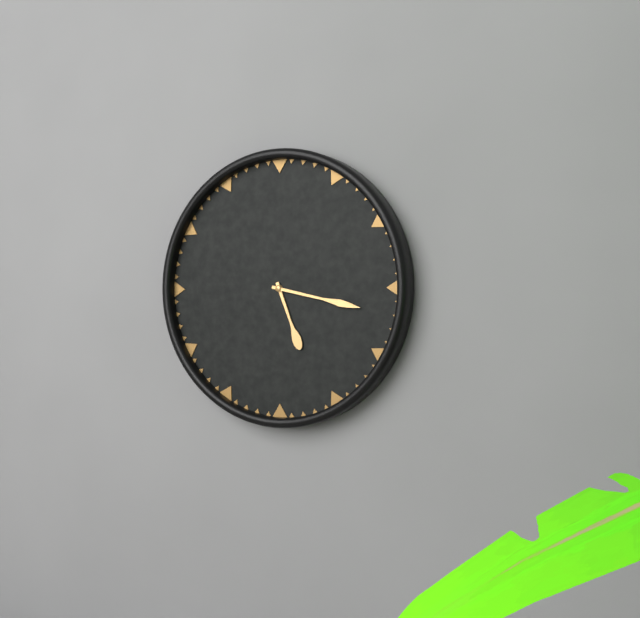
5:17
